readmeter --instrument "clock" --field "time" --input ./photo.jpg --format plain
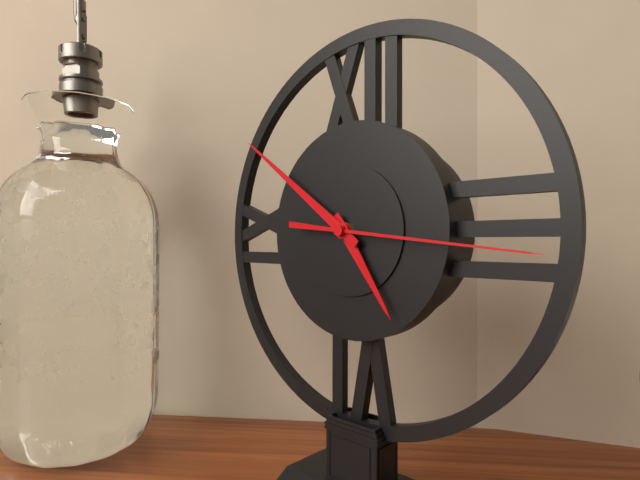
4:51:16
